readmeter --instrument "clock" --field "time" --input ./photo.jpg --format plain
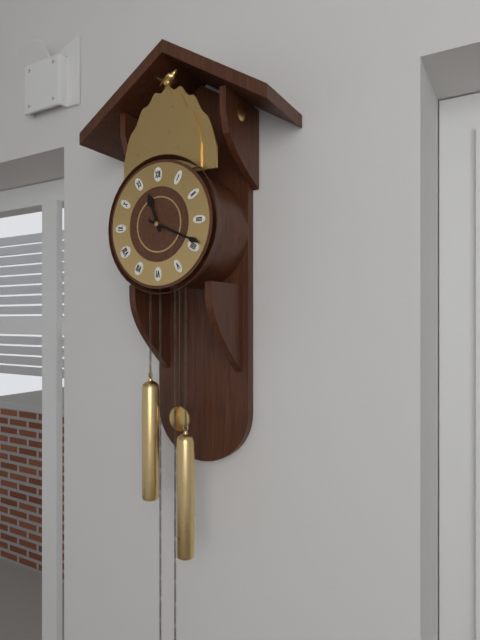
11:19
